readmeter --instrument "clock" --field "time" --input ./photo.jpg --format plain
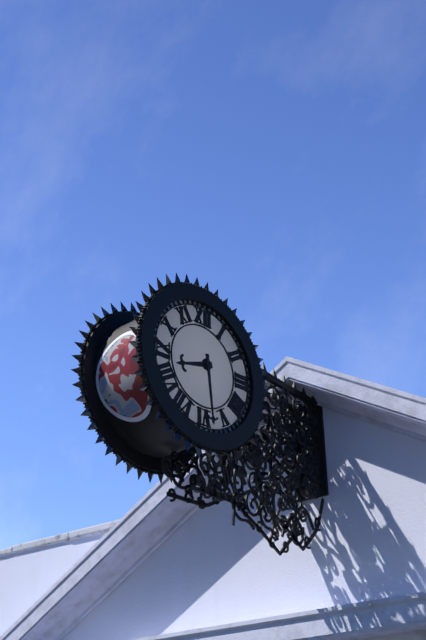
8:29
